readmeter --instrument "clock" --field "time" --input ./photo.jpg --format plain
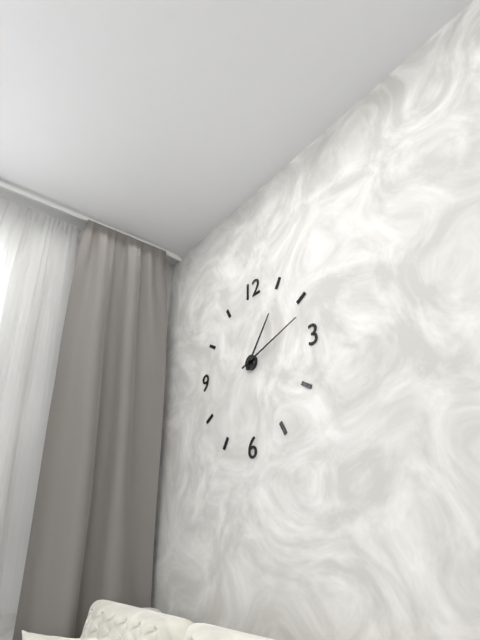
1:12
